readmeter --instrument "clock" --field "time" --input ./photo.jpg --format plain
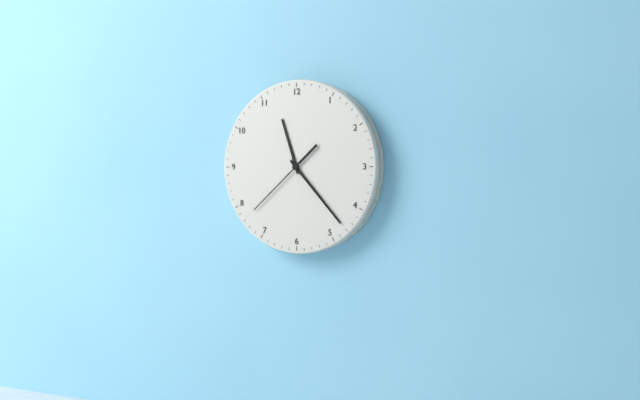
11:23:38
